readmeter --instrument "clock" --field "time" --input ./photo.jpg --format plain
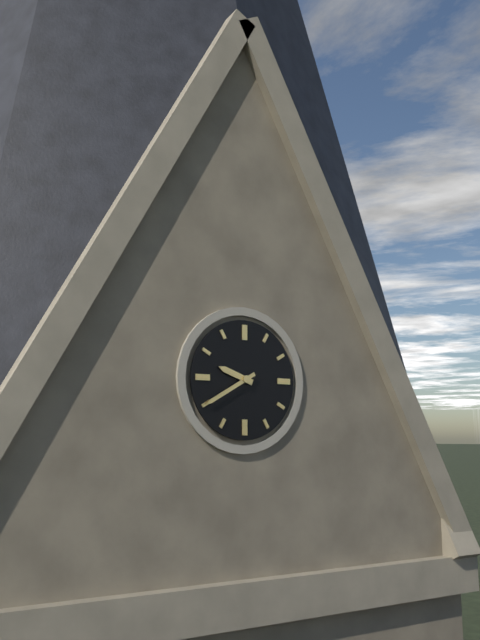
9:40
